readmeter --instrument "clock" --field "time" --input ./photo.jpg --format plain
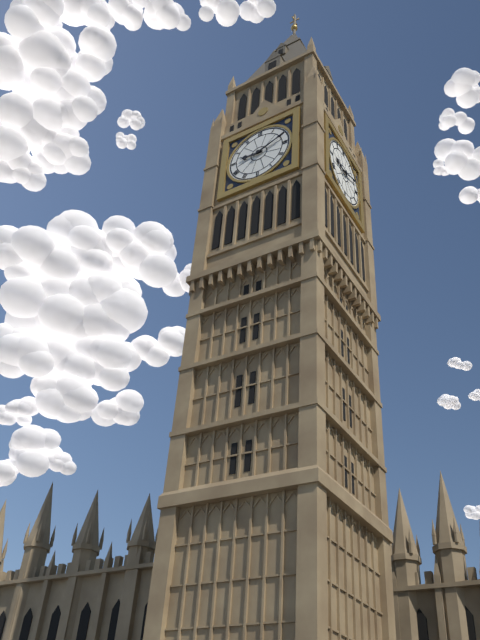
9:11
